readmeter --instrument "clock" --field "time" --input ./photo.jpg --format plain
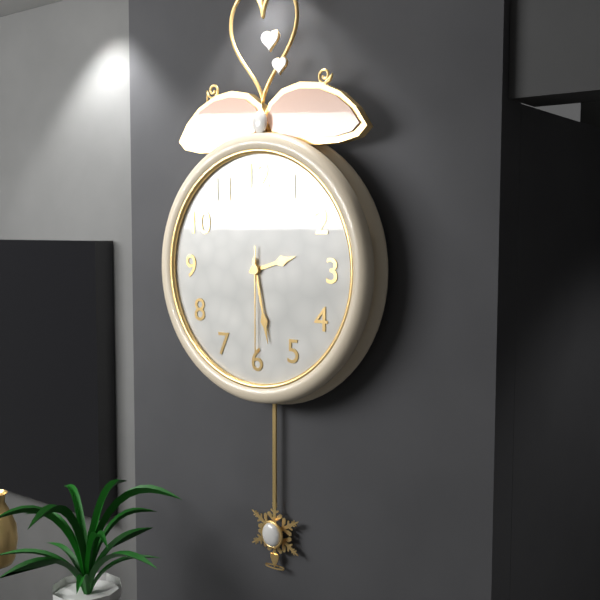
2:28:30
